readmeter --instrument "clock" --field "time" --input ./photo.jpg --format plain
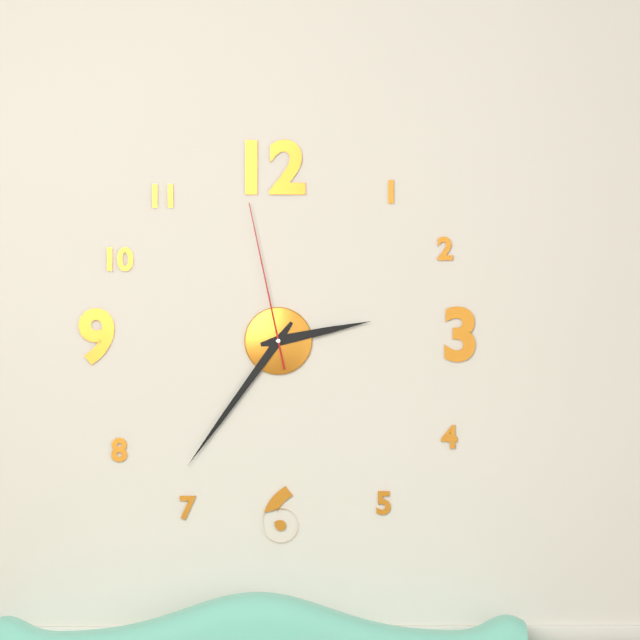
2:36:58
